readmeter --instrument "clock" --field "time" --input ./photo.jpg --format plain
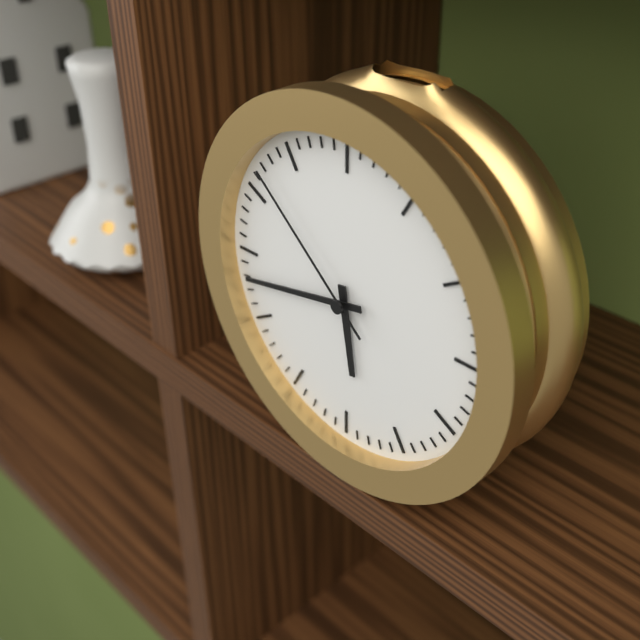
5:43:52
